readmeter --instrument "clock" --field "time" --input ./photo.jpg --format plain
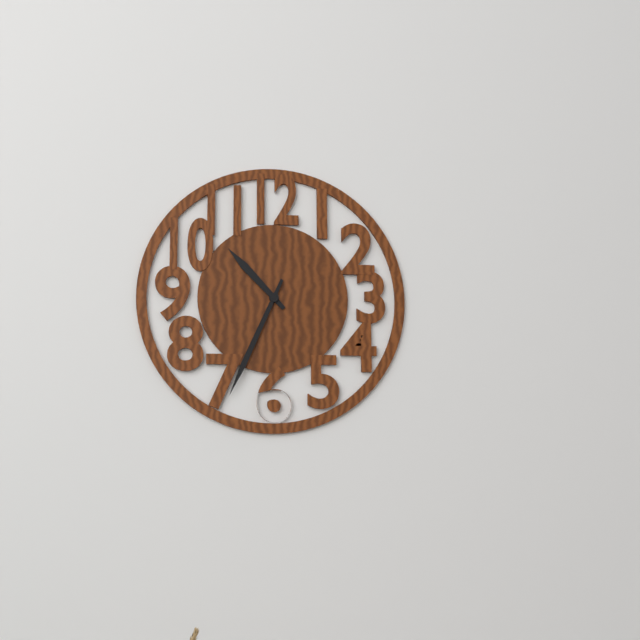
10:34
